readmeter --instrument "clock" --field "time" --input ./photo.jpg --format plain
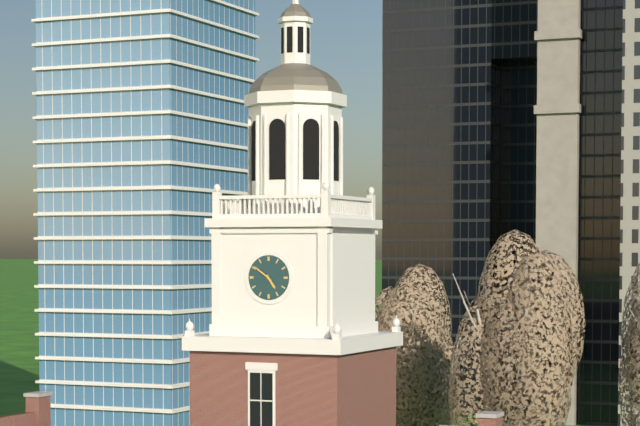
4:51
